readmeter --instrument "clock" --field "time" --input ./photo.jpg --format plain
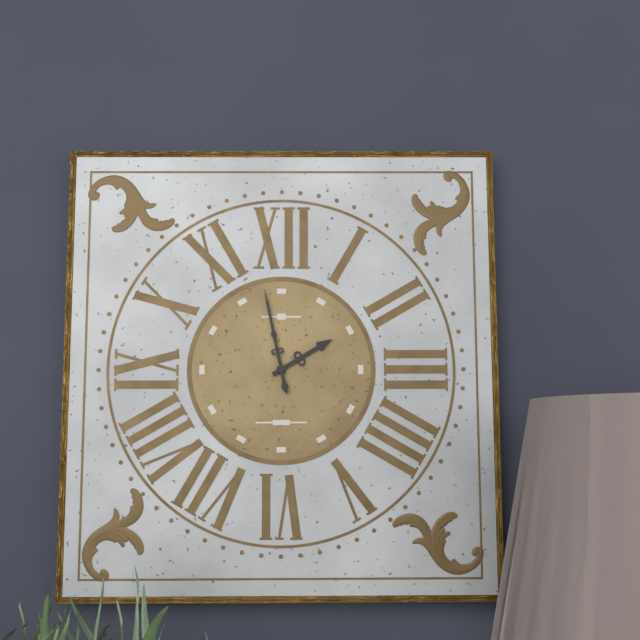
1:58
